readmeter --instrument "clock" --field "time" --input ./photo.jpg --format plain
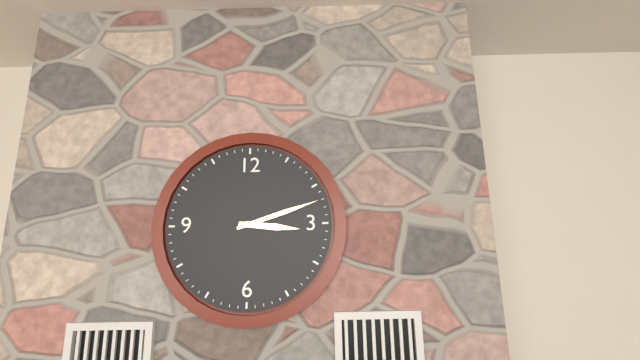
3:12
